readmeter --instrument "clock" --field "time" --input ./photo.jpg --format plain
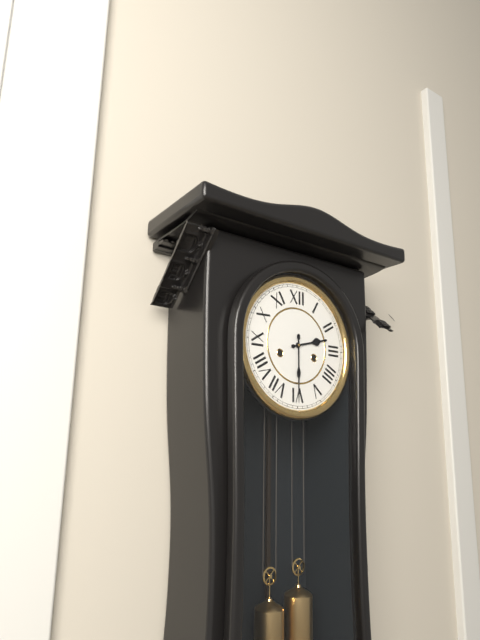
2:30
